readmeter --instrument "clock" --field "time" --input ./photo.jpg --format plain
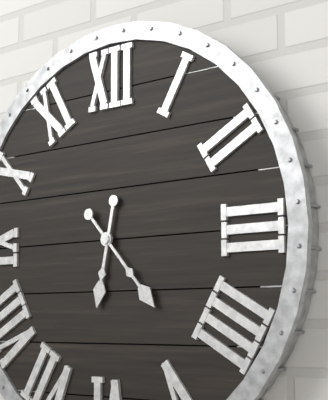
6:23
